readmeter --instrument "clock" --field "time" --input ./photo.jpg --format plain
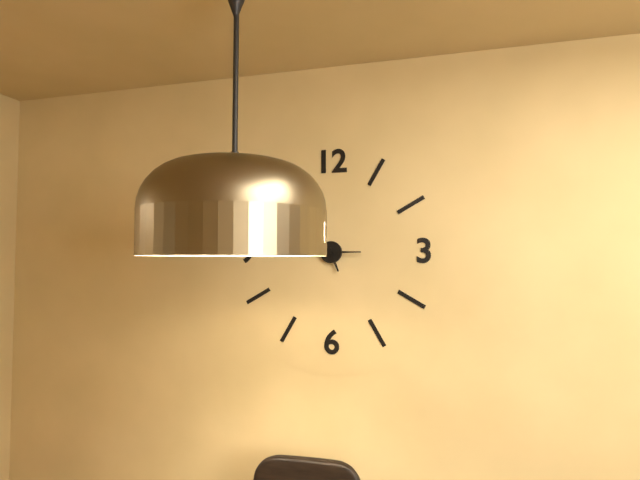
5:15
